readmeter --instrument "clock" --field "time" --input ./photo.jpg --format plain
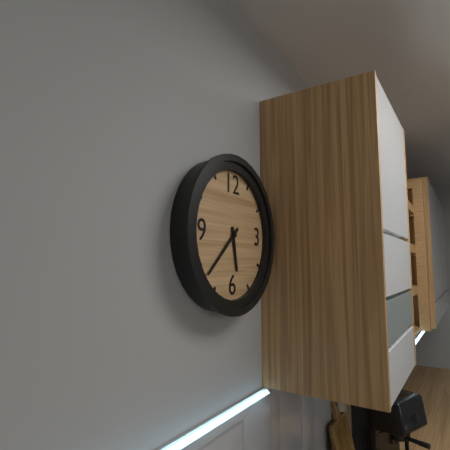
5:38
